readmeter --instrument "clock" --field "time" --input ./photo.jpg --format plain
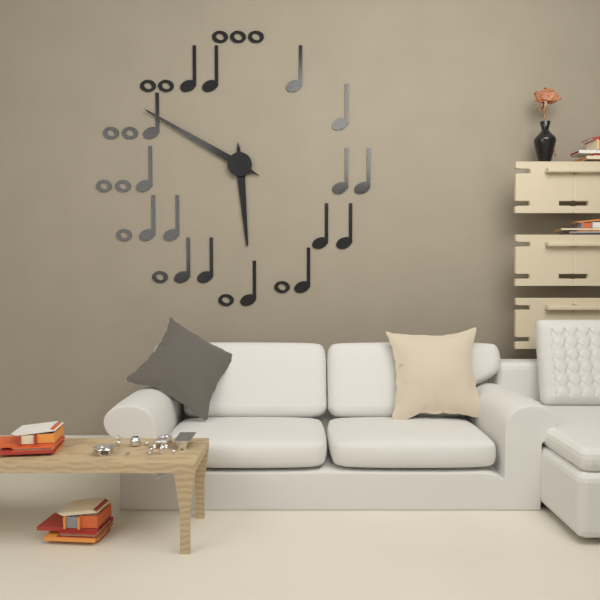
5:50
